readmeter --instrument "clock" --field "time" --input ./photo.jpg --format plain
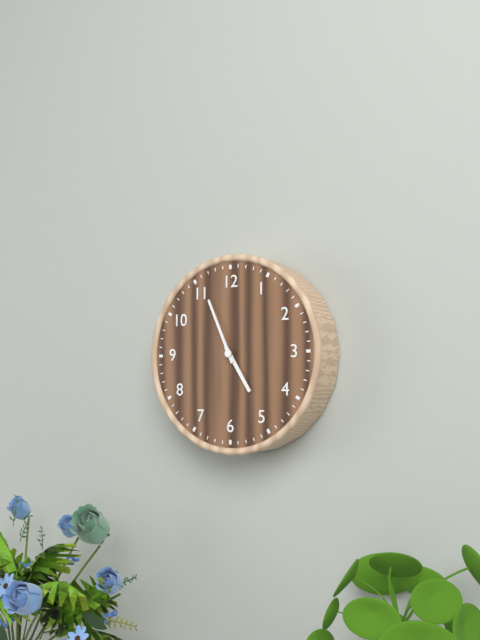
4:56
